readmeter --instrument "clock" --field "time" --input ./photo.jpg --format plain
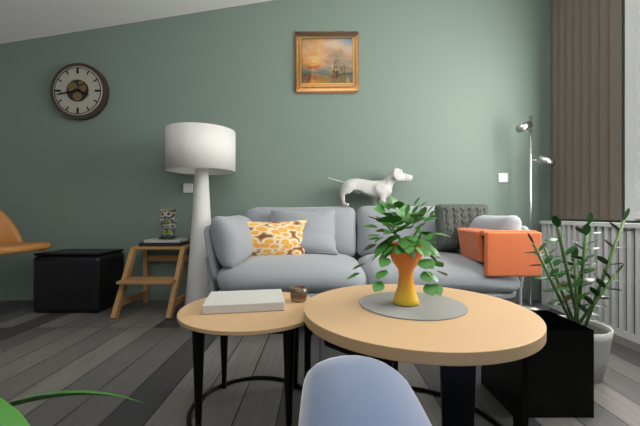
3:43
